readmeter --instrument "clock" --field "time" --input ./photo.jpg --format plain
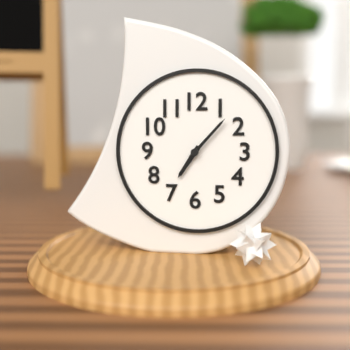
7:07
